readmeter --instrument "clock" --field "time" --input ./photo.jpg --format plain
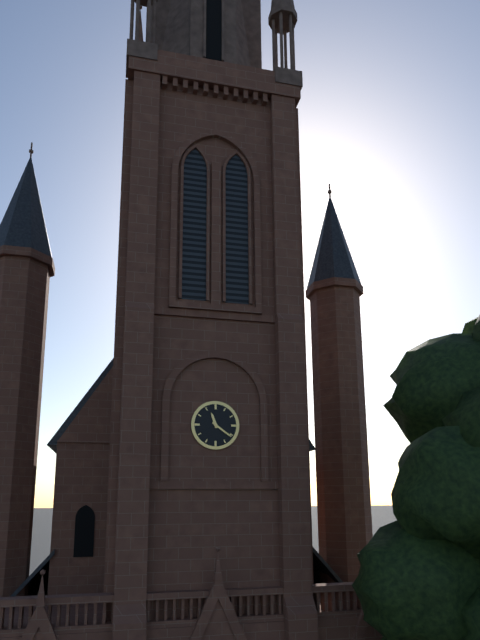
11:21
